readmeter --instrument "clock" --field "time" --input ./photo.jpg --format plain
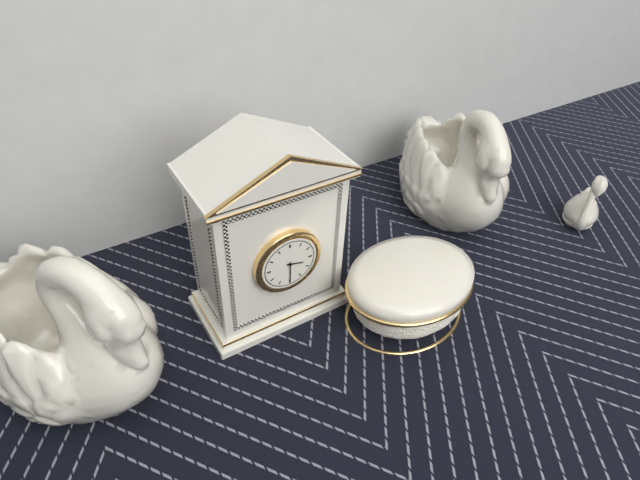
3:30
